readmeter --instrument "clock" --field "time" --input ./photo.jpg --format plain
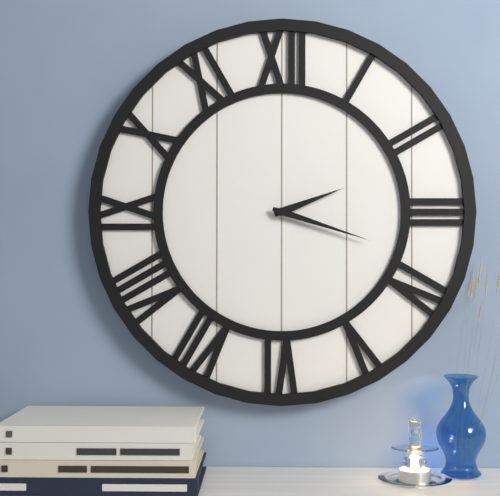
2:18
